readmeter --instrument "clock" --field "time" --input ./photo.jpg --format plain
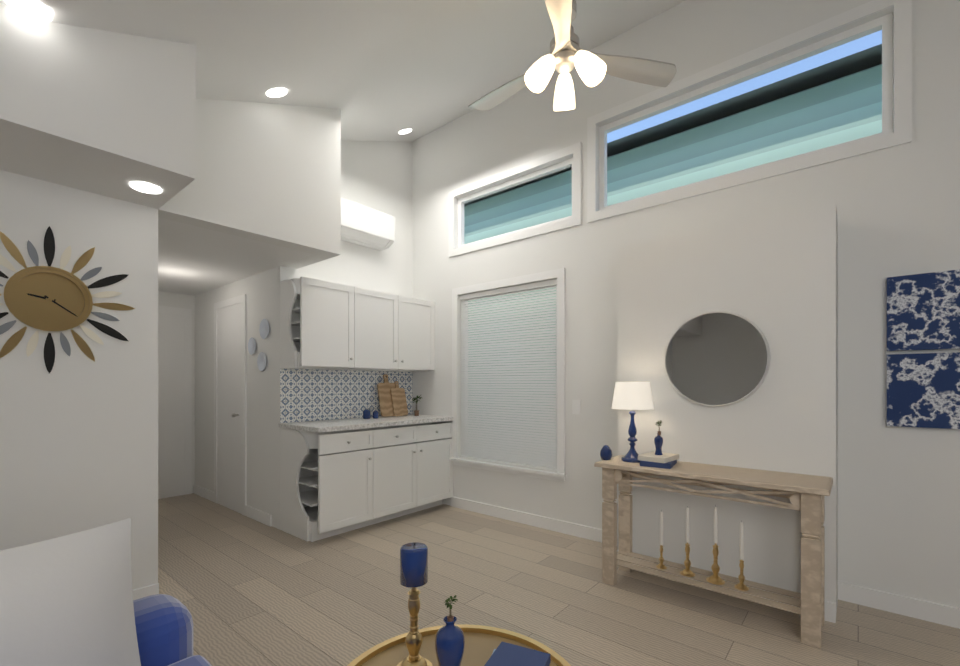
9:21
